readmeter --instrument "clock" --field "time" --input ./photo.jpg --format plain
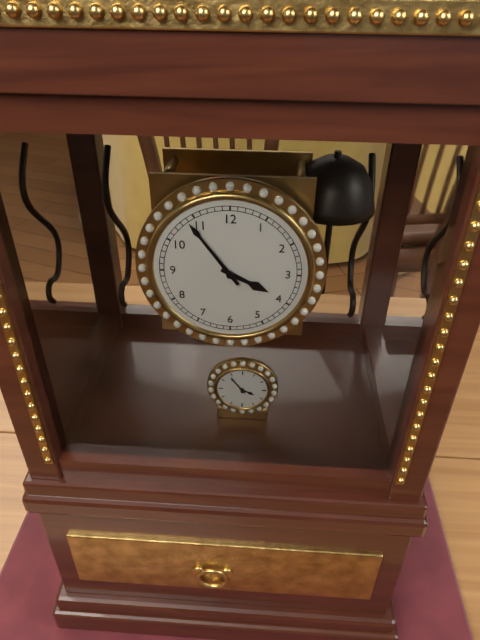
3:54
